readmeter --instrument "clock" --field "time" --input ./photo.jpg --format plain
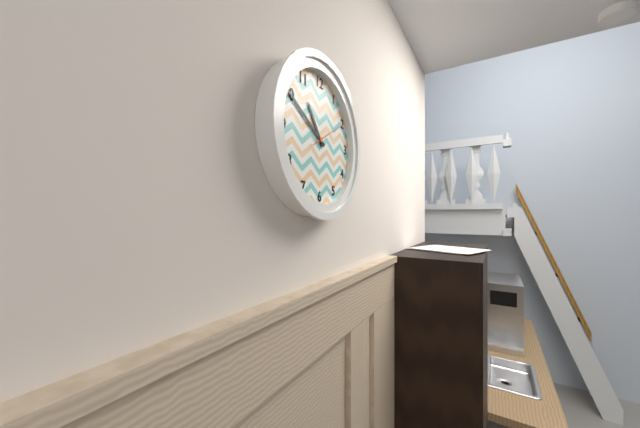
10:50
